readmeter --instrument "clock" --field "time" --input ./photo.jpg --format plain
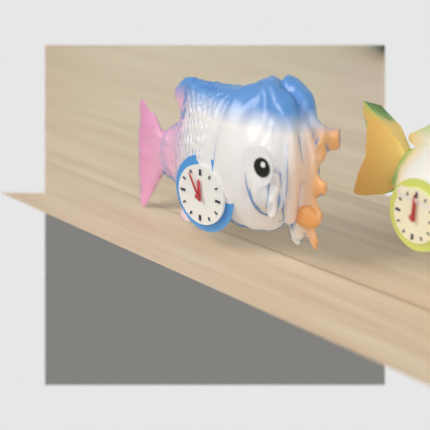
11:55
